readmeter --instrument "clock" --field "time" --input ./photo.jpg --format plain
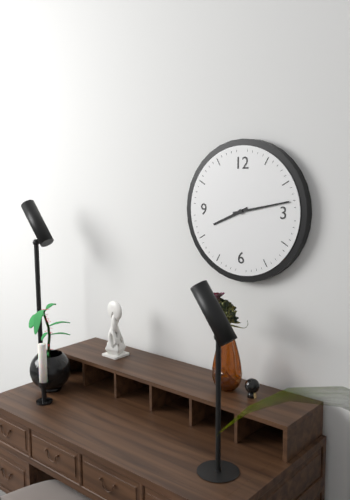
8:13
